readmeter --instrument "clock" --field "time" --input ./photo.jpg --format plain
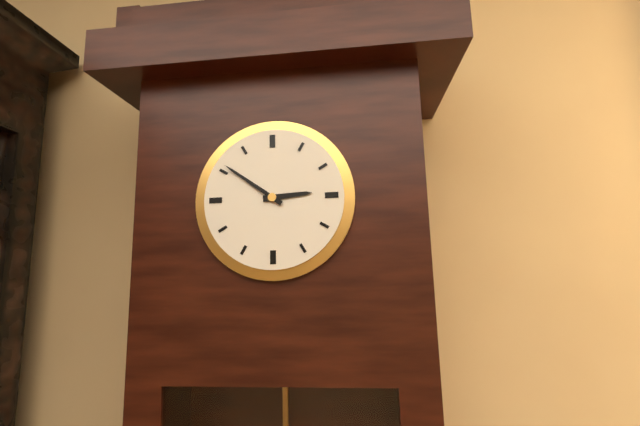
2:51
